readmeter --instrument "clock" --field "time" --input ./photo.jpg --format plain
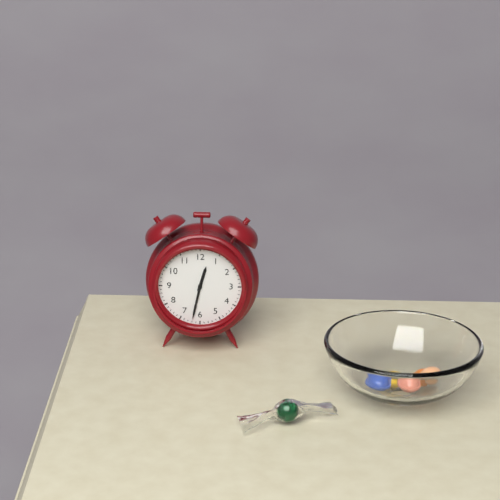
12:32
